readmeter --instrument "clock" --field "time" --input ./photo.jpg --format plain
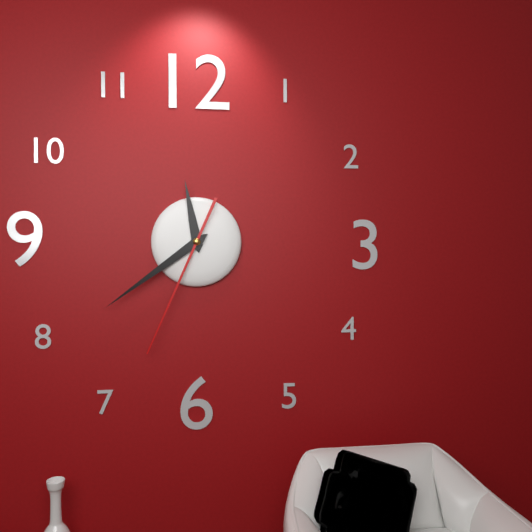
11:39:34
